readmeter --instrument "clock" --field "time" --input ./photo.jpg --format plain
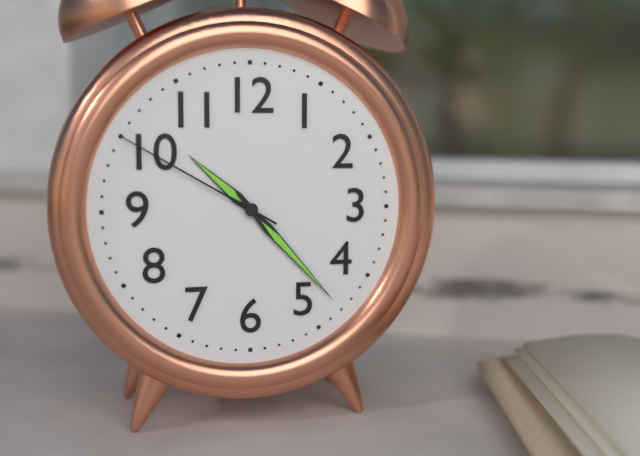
10:23:50
